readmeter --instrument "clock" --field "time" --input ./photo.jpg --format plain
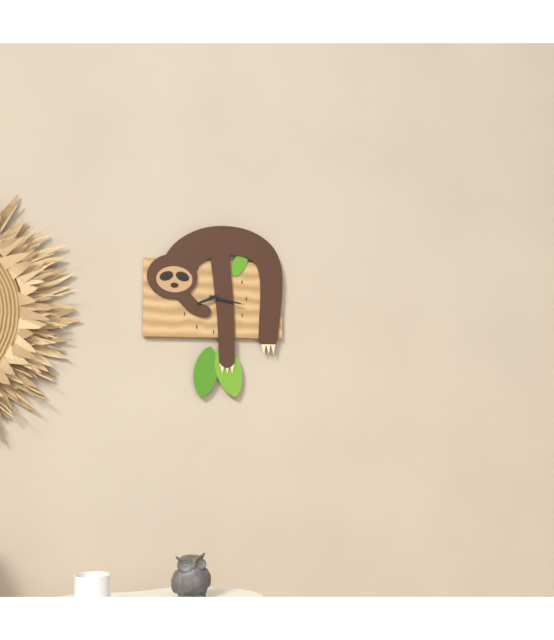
8:17
